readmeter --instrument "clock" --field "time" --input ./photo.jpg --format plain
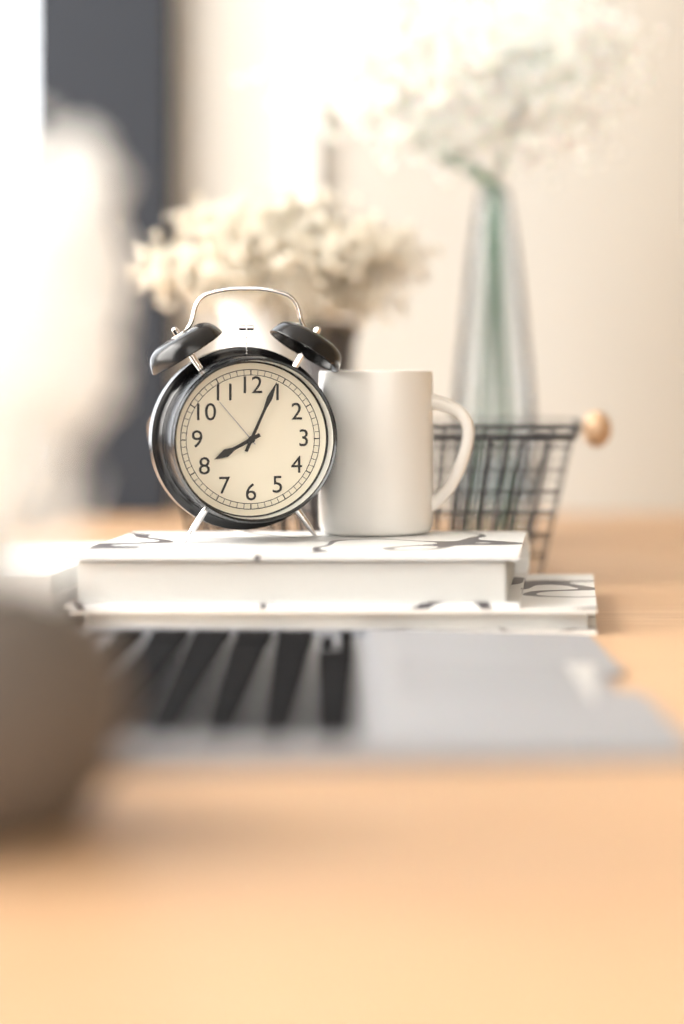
8:04
